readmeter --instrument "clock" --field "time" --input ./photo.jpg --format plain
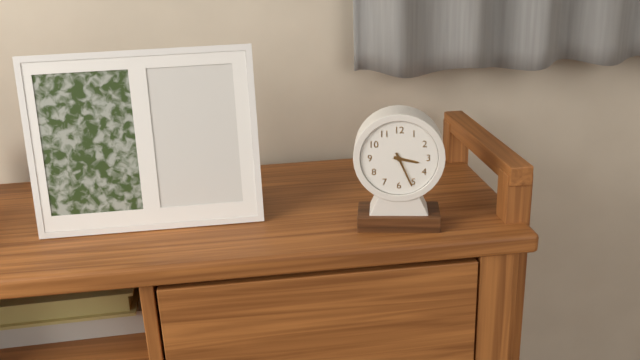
3:26
